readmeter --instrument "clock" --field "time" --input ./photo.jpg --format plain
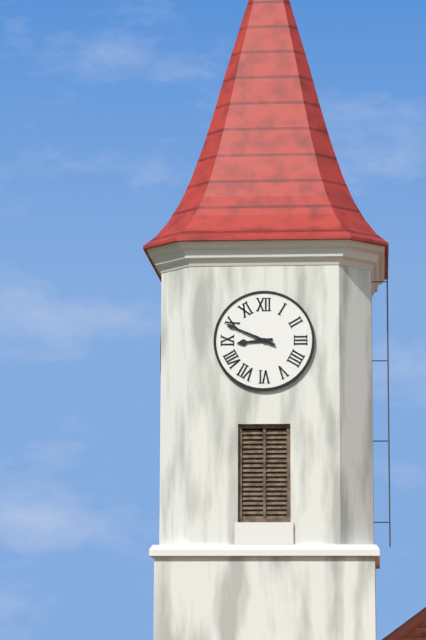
8:49
